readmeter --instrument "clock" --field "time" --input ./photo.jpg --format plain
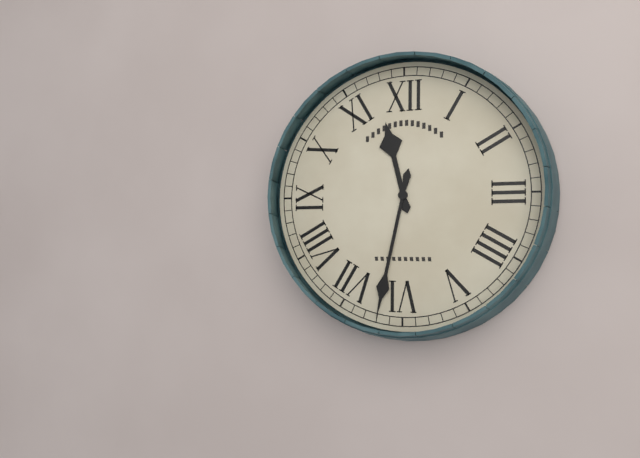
11:32
